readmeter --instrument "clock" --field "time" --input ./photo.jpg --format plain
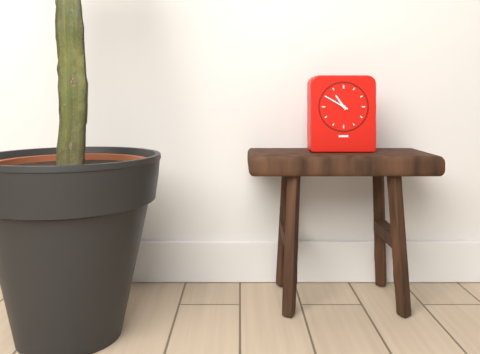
10:50
